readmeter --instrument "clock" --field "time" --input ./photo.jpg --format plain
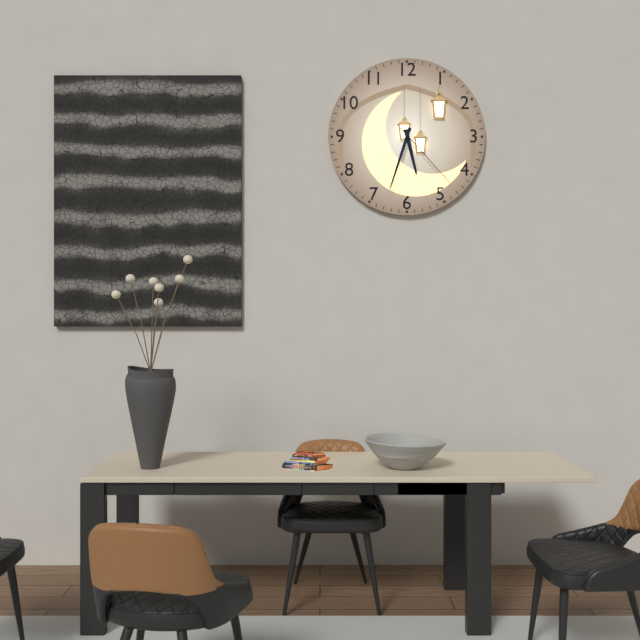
5:33:23
